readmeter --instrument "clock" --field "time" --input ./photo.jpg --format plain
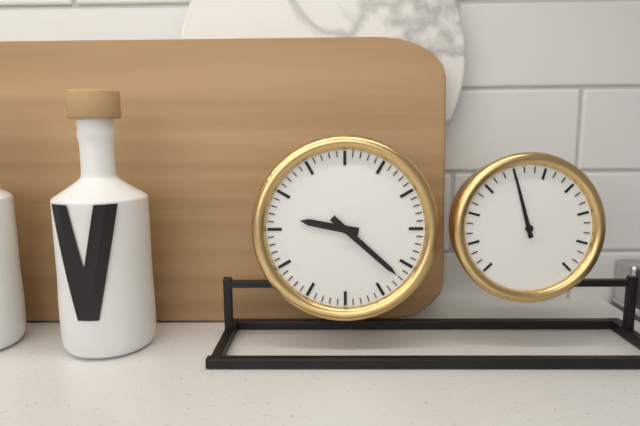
9:22
